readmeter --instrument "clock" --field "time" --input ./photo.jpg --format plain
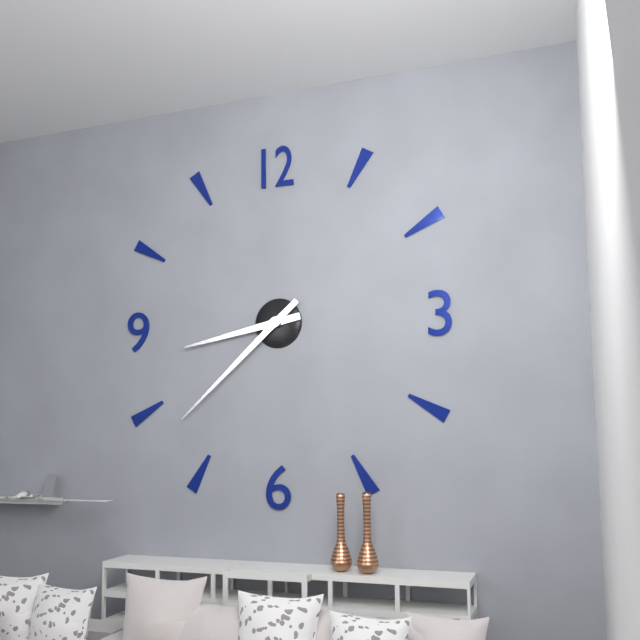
8:38
